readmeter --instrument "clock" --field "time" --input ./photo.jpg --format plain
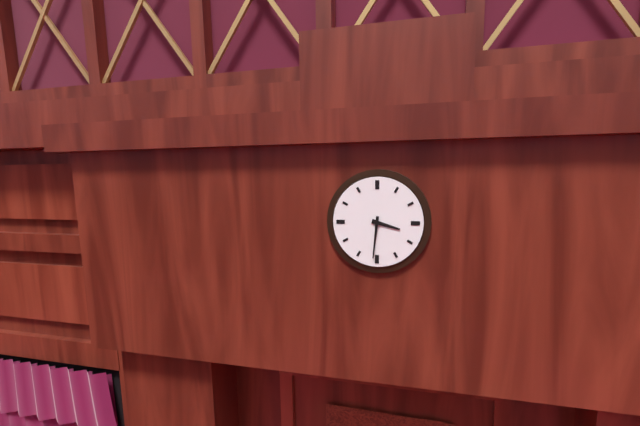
3:31
